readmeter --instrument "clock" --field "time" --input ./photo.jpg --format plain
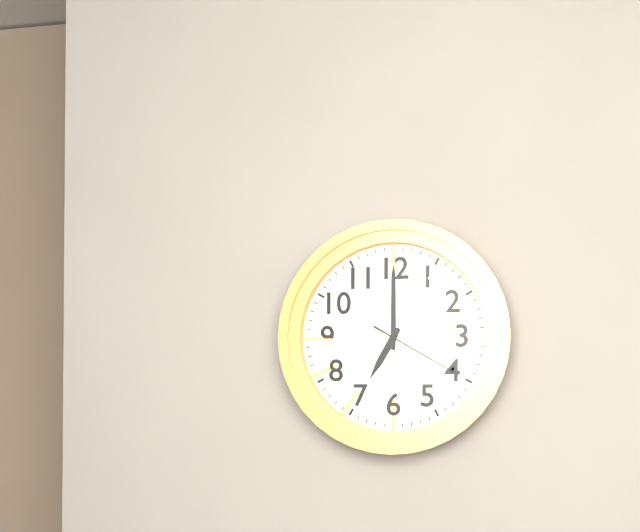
7:00:20
